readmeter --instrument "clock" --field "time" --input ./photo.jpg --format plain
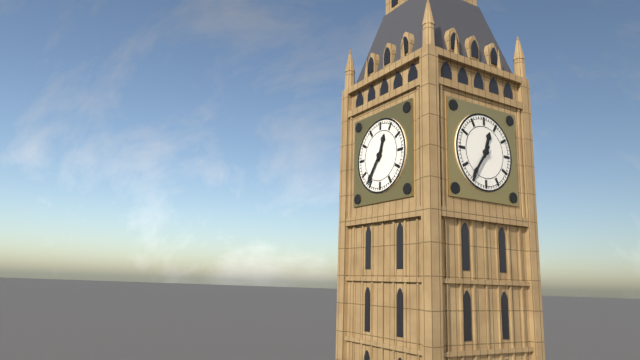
12:36
